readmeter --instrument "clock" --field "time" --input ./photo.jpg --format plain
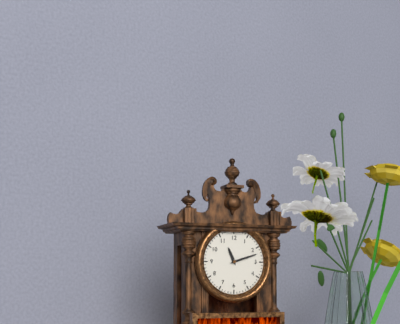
11:12
